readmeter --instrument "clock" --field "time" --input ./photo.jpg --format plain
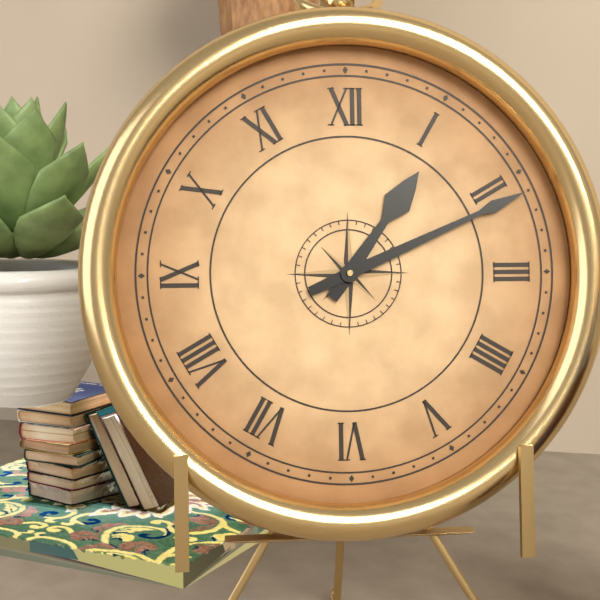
1:11
